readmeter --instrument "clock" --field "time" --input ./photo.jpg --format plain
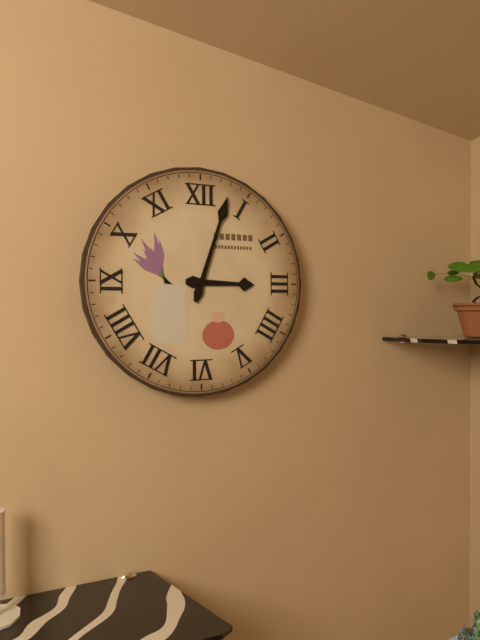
3:03
